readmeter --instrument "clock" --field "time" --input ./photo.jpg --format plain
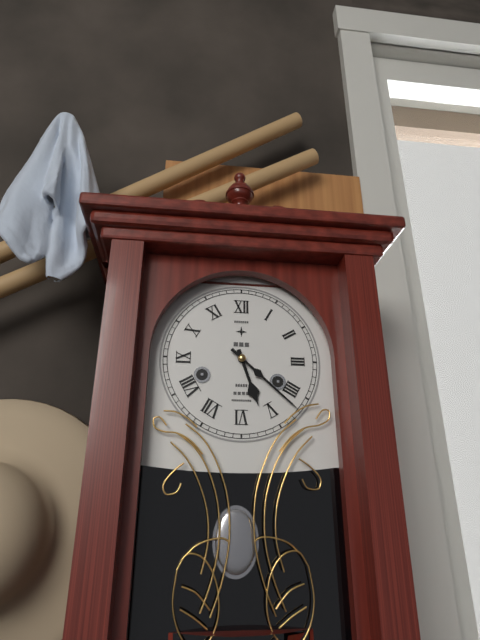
5:22
